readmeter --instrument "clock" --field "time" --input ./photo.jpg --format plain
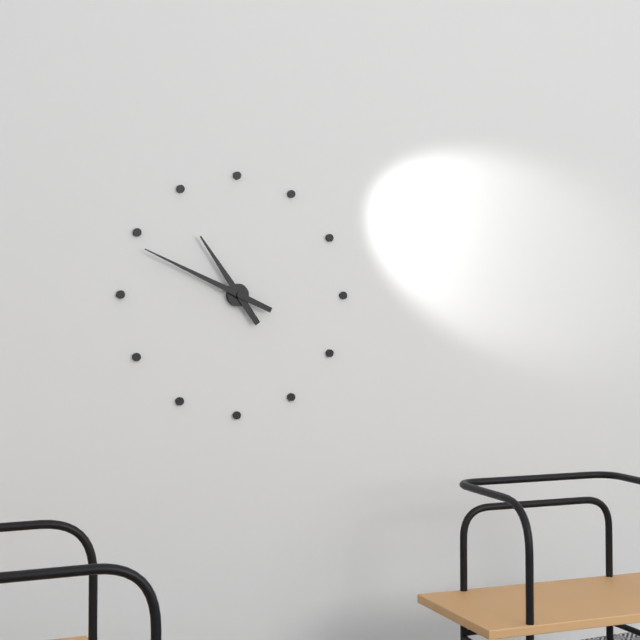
10:49
